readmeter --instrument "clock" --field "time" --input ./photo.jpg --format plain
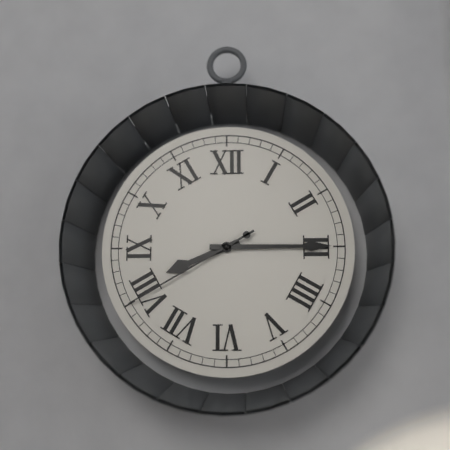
8:15:40
